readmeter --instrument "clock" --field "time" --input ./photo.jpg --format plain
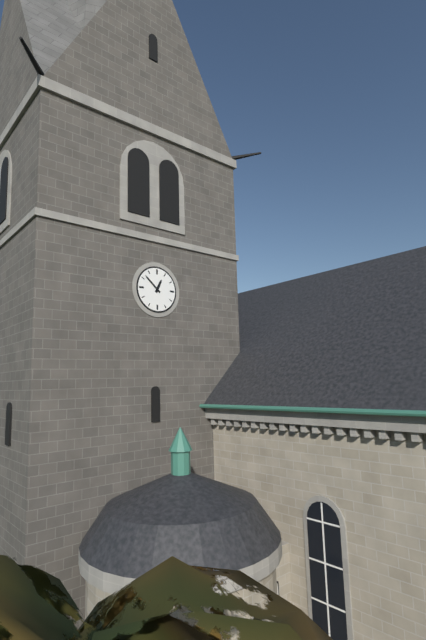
12:52
